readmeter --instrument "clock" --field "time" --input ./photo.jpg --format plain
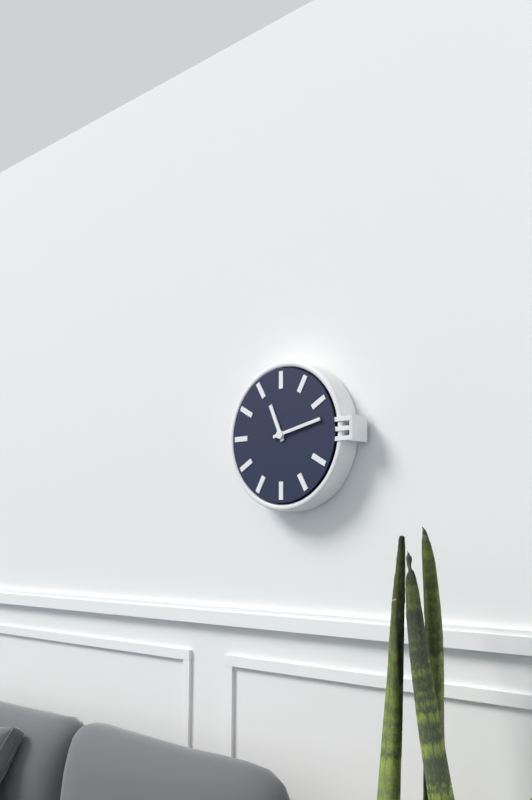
11:13
